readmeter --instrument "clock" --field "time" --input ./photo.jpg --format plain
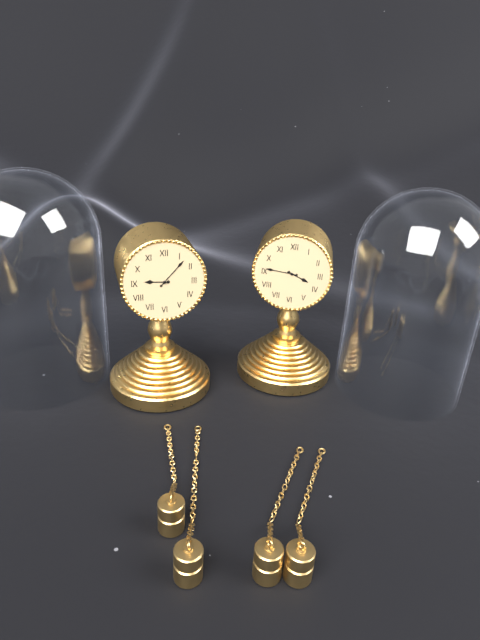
9:07
